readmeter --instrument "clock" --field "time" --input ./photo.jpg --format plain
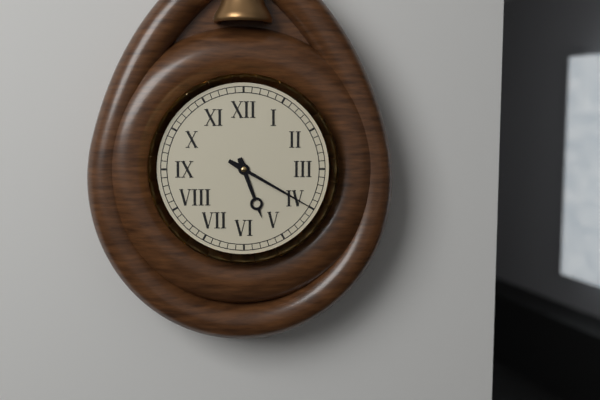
5:20
